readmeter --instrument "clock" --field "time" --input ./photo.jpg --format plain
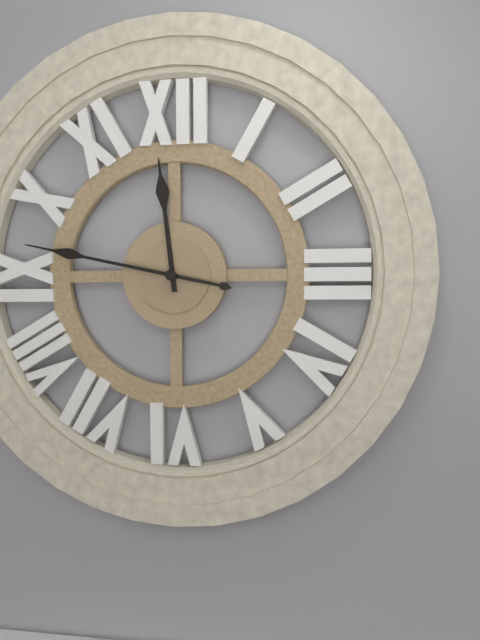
11:47
